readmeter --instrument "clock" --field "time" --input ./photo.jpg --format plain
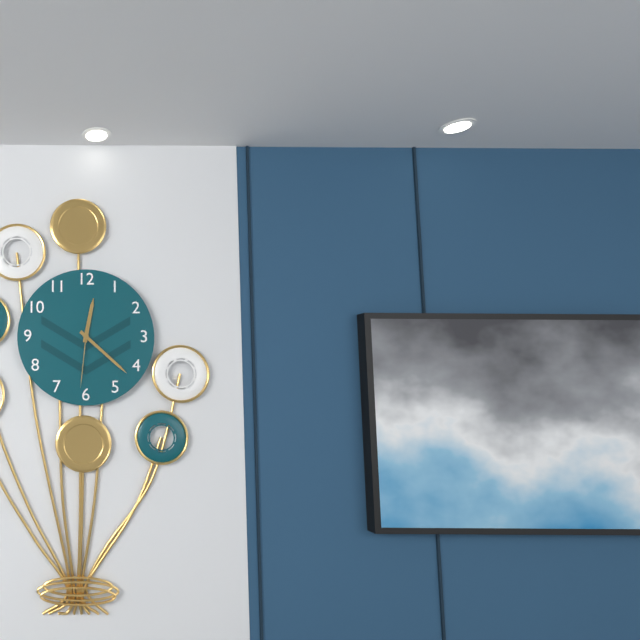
12:22:31
